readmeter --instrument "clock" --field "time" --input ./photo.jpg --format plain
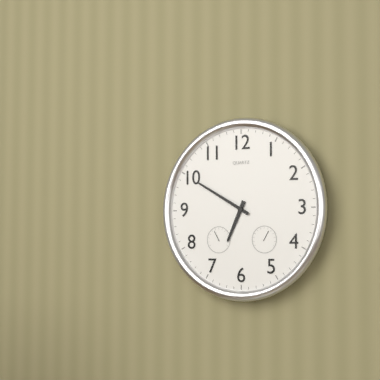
6:50
